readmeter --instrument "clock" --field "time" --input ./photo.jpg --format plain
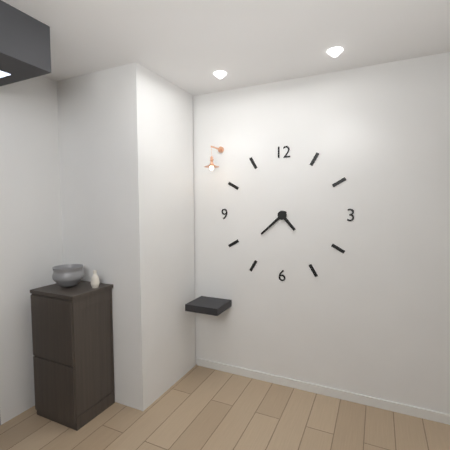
4:38
